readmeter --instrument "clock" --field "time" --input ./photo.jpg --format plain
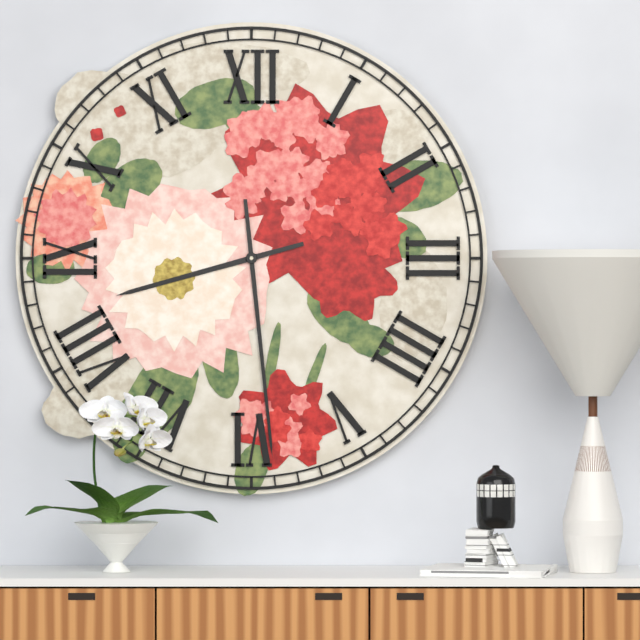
8:29
